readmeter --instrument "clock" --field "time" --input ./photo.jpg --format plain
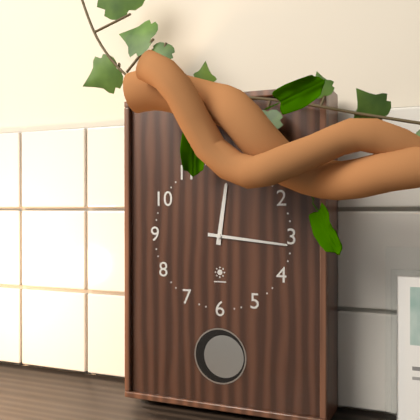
12:16
